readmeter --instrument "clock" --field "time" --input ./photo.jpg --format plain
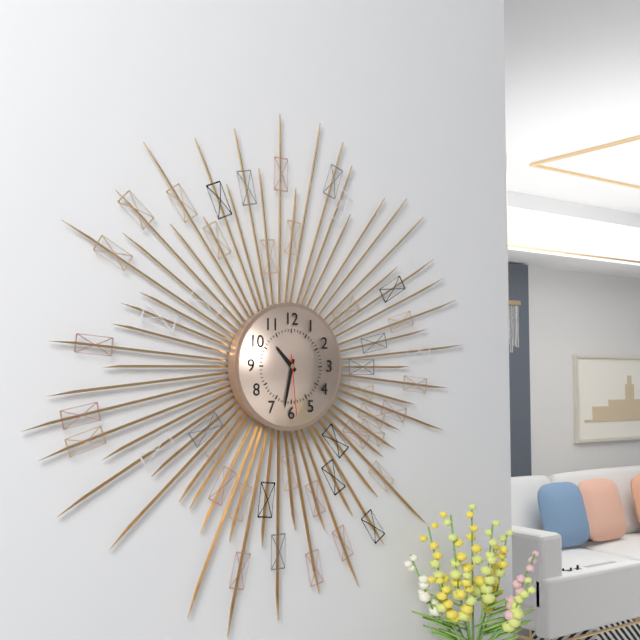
10:32:29
